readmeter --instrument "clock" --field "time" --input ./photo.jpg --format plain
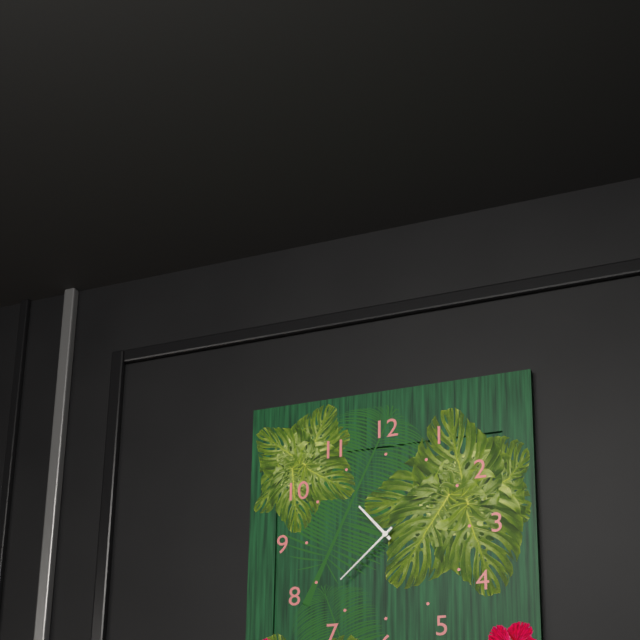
10:38
